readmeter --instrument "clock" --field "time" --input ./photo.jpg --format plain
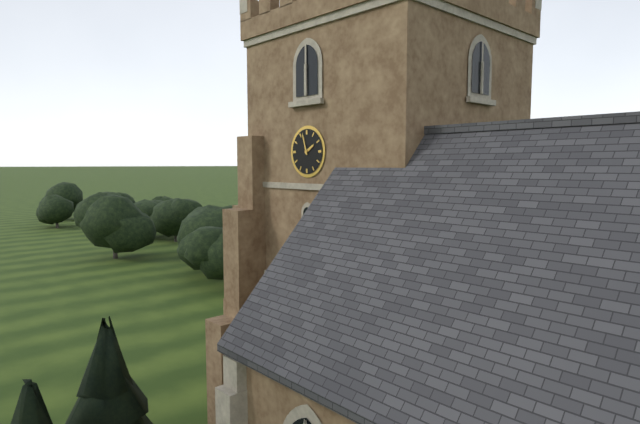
1:57
